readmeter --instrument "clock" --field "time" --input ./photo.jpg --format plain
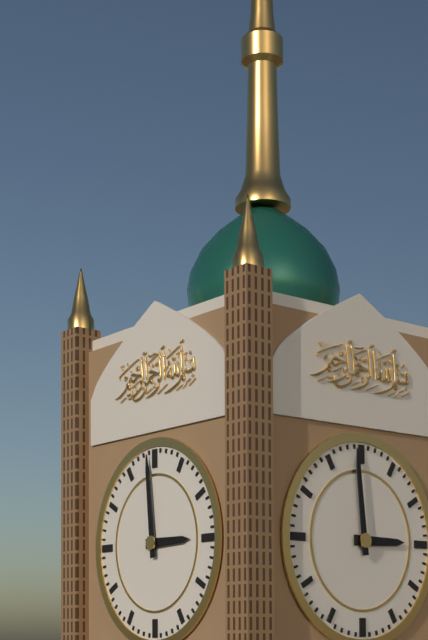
2:59
